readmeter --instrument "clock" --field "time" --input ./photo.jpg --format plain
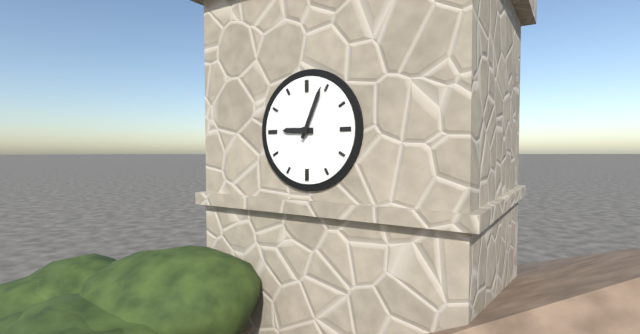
9:04
